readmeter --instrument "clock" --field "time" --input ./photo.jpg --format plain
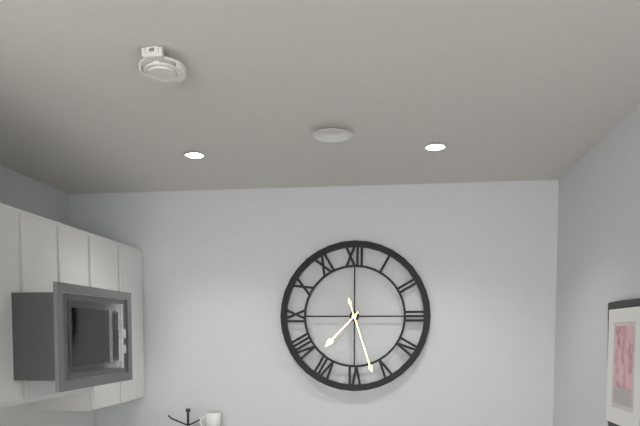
7:27
